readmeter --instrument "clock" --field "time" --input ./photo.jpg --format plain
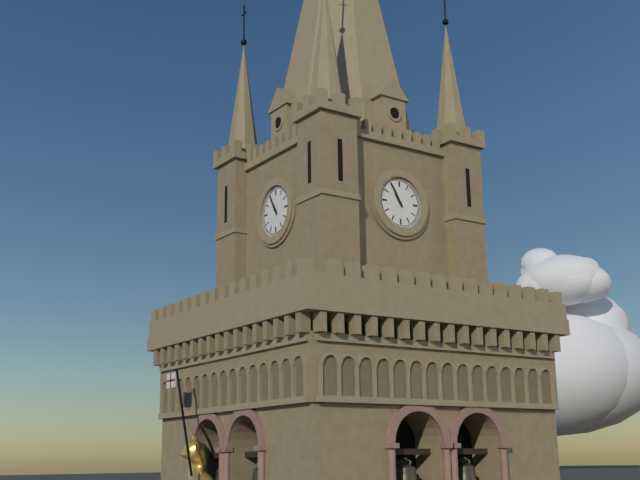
10:55
